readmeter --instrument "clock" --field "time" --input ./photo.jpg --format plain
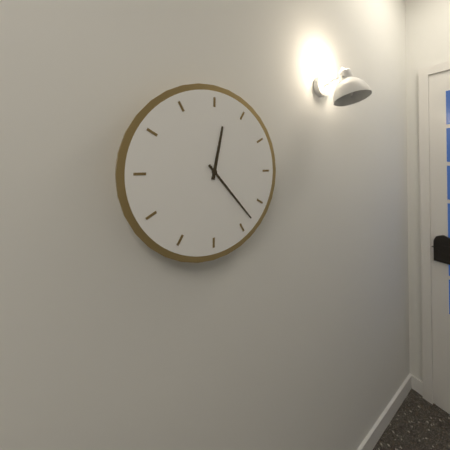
12:23
